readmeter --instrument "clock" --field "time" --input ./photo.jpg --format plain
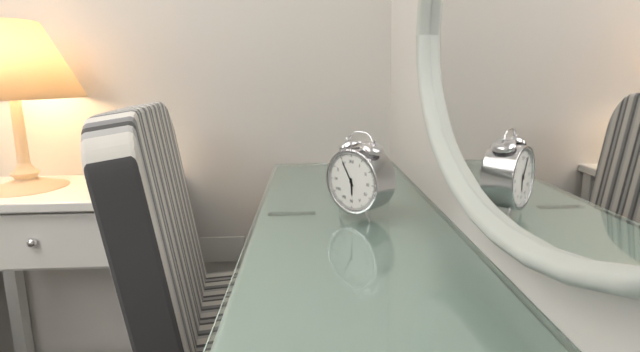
5:55
